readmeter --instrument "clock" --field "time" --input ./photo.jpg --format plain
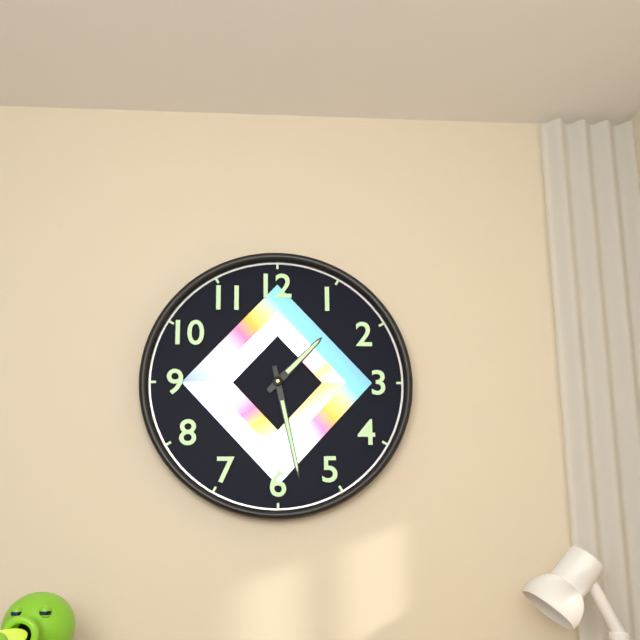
1:28
